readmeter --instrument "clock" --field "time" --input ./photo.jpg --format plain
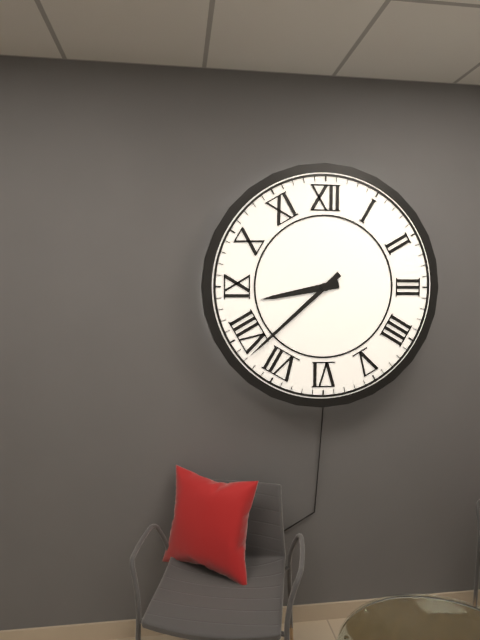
8:38
